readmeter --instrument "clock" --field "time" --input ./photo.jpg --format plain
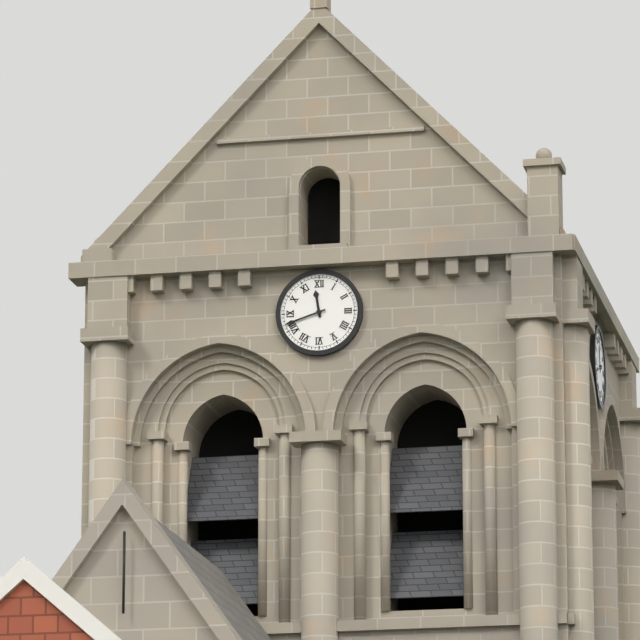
11:42
